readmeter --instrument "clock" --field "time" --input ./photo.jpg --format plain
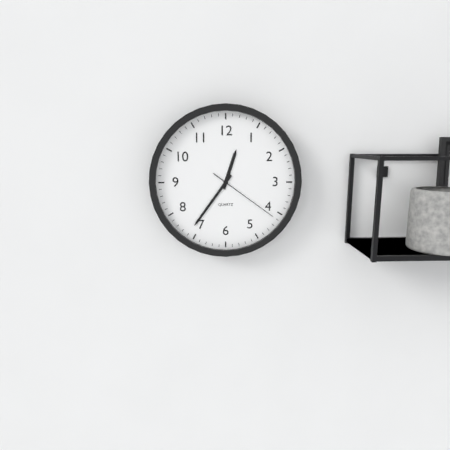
12:36:21
